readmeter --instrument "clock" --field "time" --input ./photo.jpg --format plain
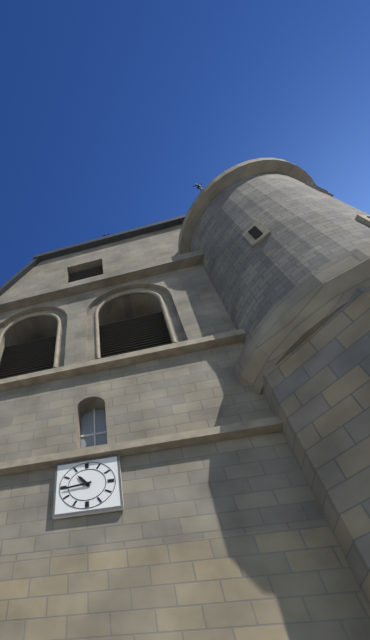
10:44
